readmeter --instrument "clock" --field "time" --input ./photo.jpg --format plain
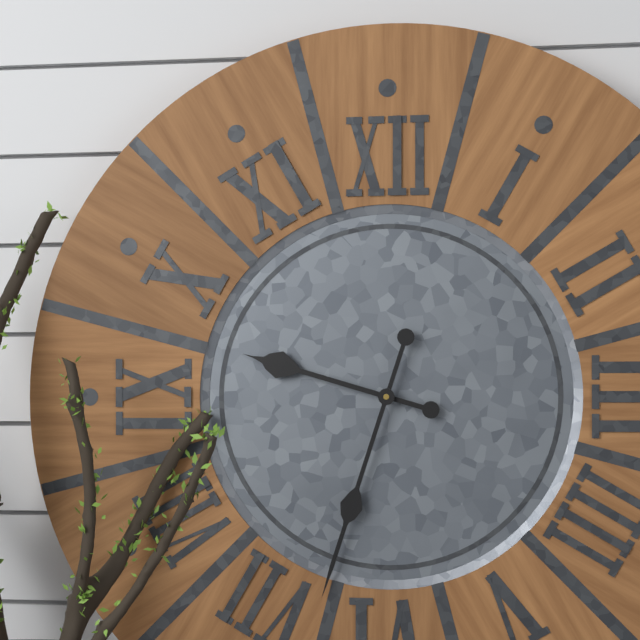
9:33
